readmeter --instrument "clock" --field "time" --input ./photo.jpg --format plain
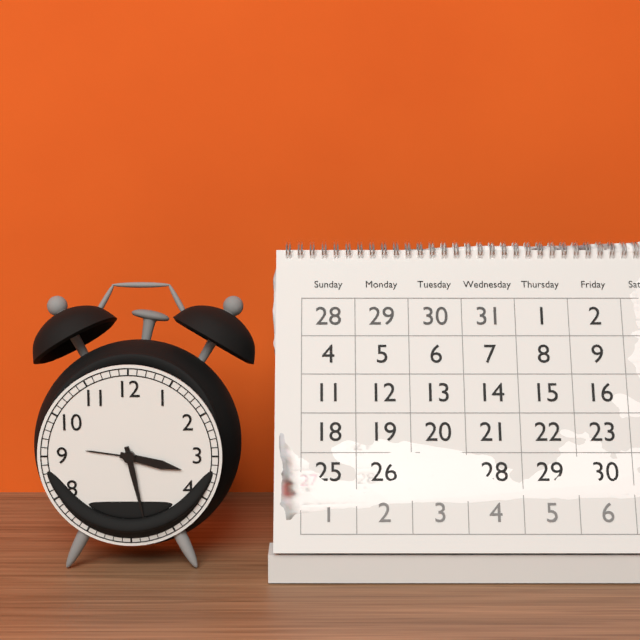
3:28
